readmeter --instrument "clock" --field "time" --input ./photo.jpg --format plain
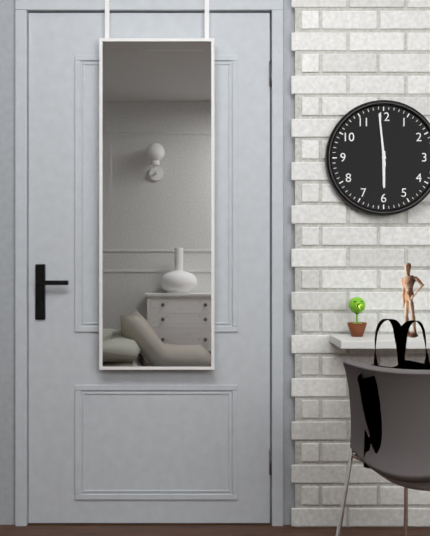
5:59
